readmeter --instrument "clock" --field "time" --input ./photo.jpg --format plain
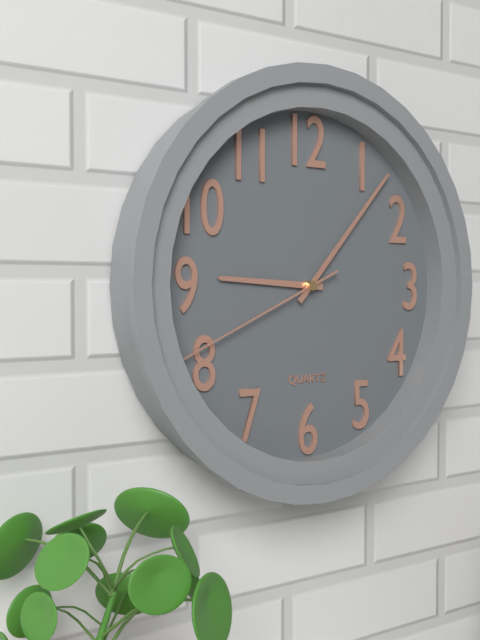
9:07:41
